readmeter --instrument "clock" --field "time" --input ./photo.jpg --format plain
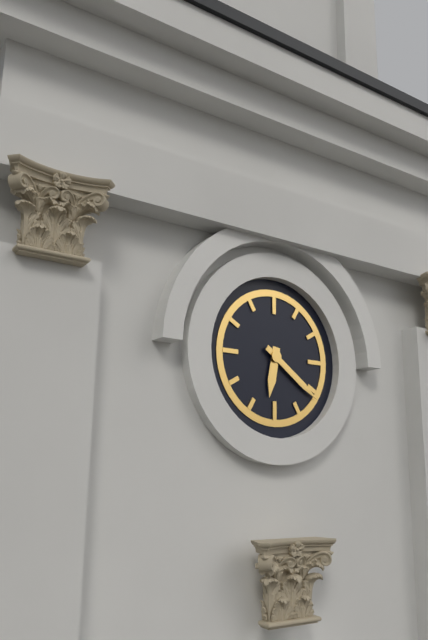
6:21
